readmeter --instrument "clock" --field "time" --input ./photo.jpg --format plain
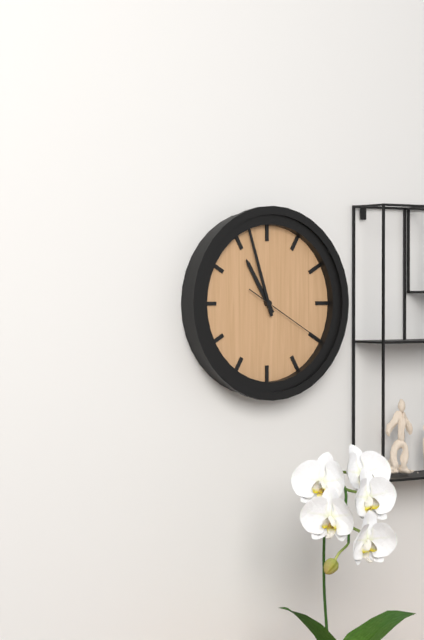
10:57:20
